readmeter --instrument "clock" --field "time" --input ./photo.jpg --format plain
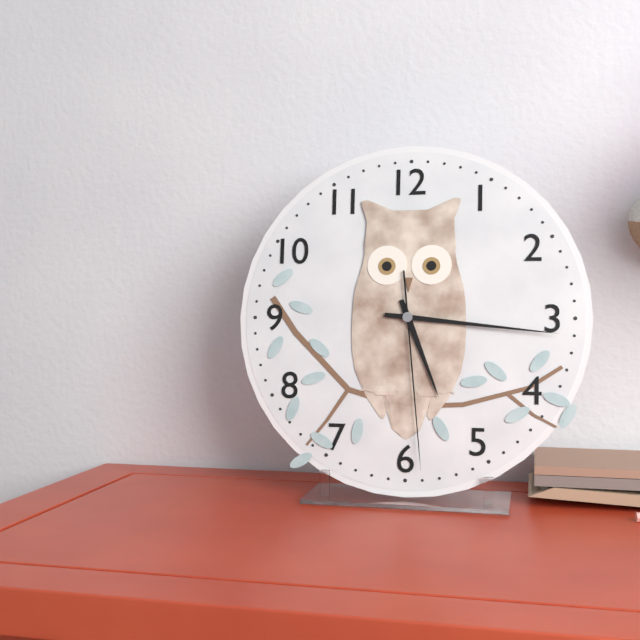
5:16:29
